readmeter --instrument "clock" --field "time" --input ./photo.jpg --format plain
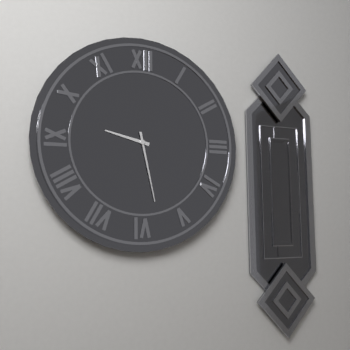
9:28
